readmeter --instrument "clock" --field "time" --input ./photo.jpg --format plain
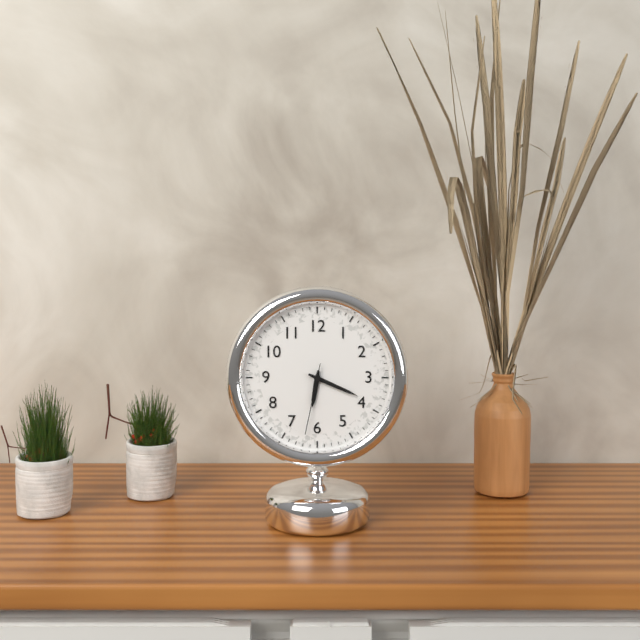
6:19:32
